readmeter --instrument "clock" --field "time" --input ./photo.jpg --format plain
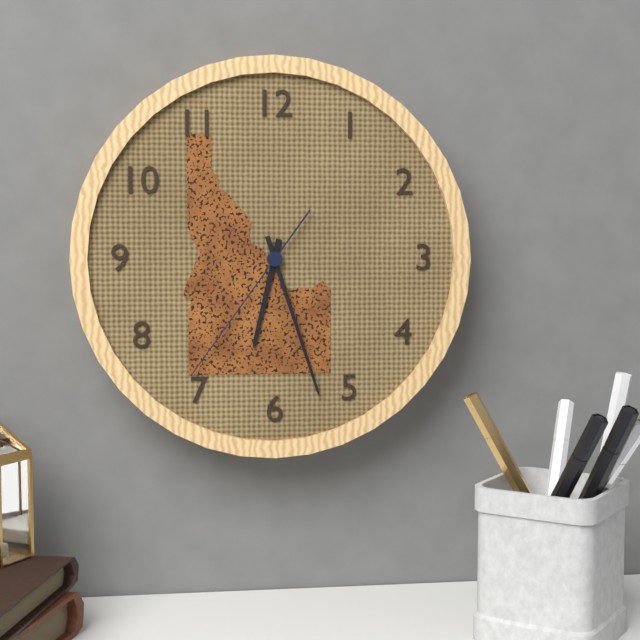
6:27:36
